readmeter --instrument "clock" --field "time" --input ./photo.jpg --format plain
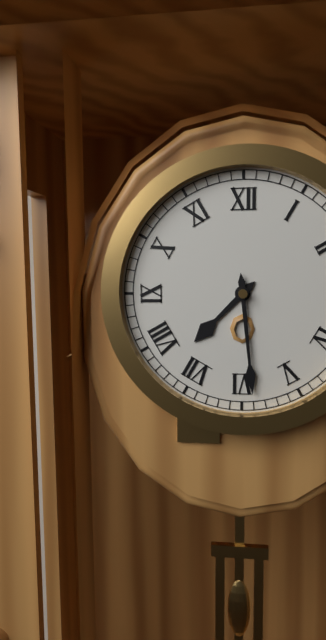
7:29
